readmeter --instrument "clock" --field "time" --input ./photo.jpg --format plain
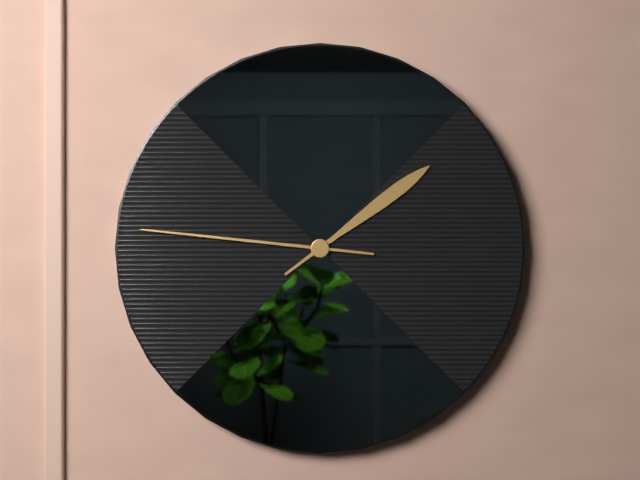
1:46
